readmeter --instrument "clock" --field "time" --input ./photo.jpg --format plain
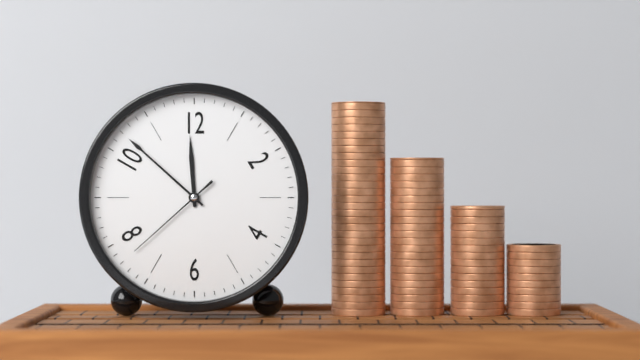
11:52:38
